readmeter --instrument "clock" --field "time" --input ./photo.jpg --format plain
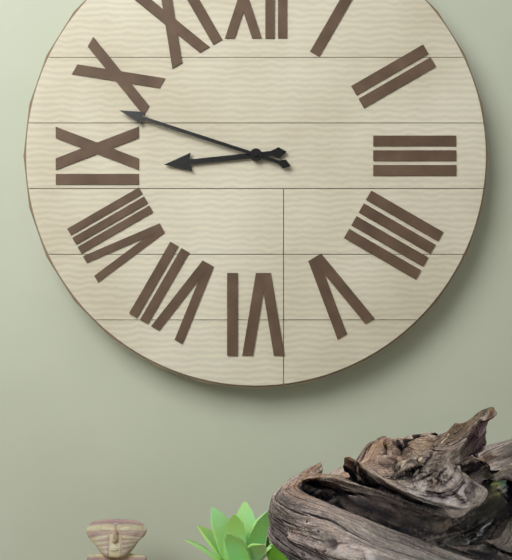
8:48
